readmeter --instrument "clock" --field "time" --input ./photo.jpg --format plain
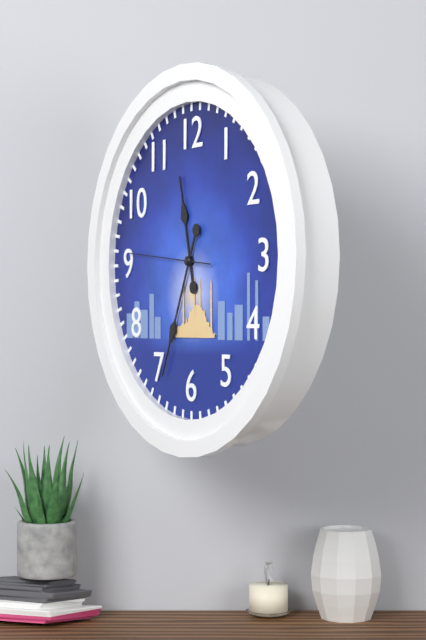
11:34:46
